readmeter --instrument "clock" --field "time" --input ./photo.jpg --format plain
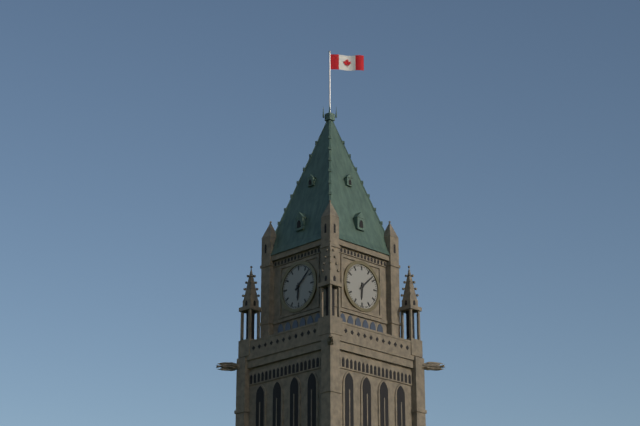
6:08
